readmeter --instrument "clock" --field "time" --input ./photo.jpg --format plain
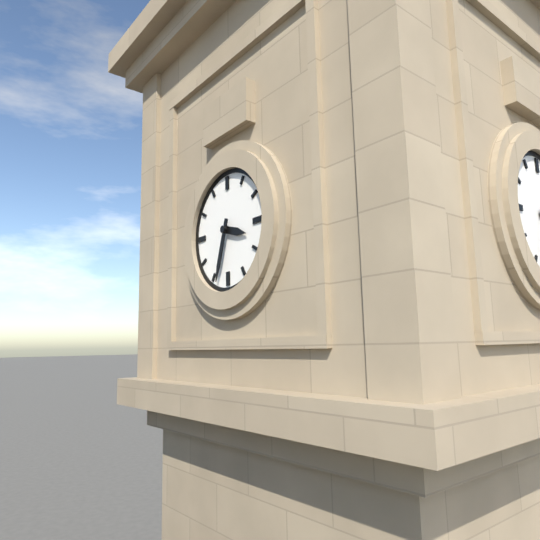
3:33
